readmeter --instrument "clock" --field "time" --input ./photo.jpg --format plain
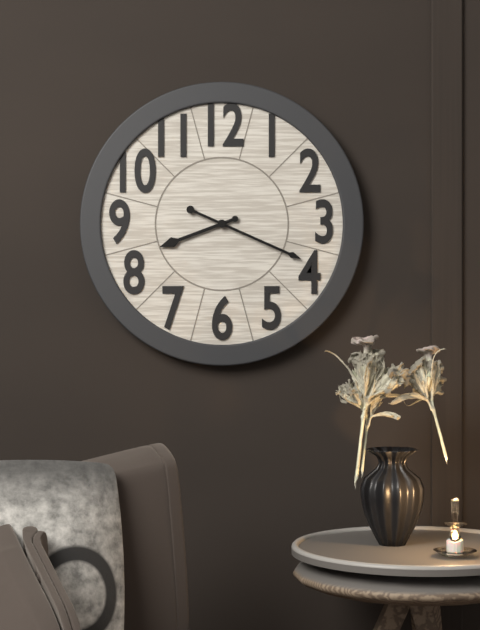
8:19
